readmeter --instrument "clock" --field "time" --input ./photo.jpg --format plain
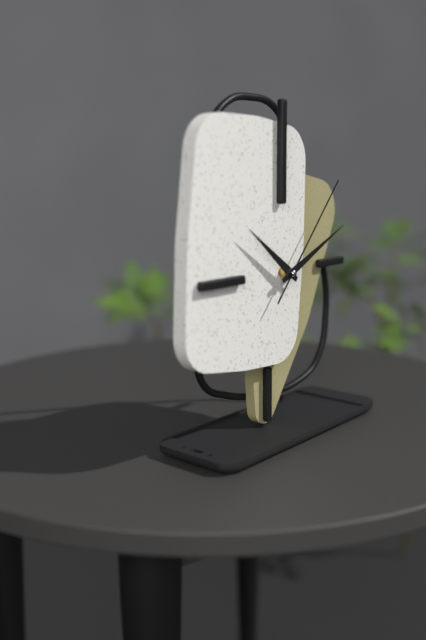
10:11:07
